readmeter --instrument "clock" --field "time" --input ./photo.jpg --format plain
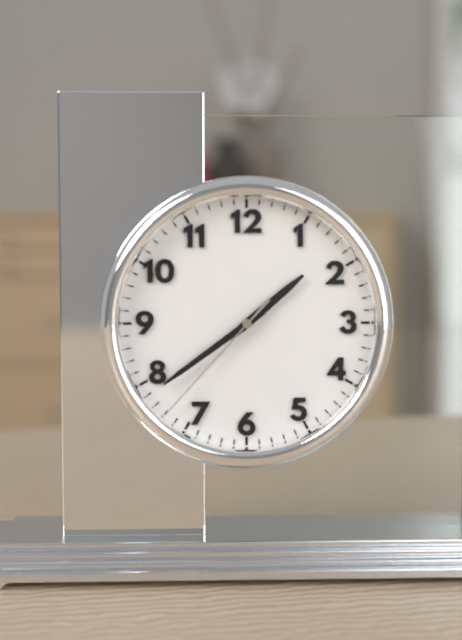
1:39:37
